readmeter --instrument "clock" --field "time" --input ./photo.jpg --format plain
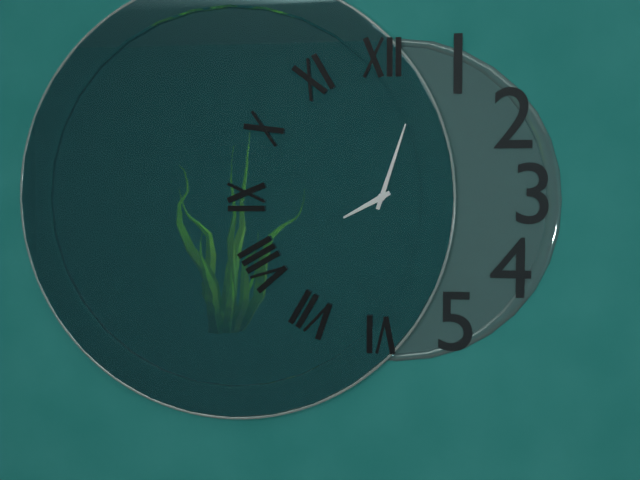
8:03
